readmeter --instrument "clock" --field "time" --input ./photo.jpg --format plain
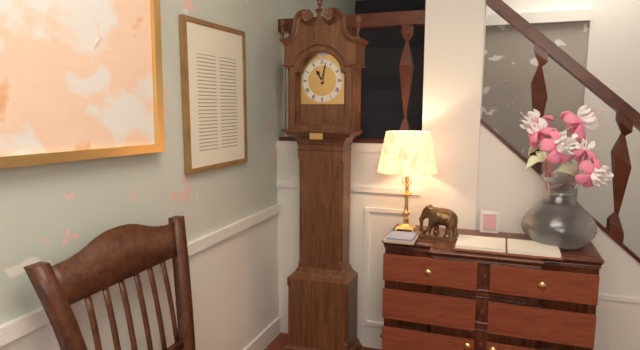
11:02
